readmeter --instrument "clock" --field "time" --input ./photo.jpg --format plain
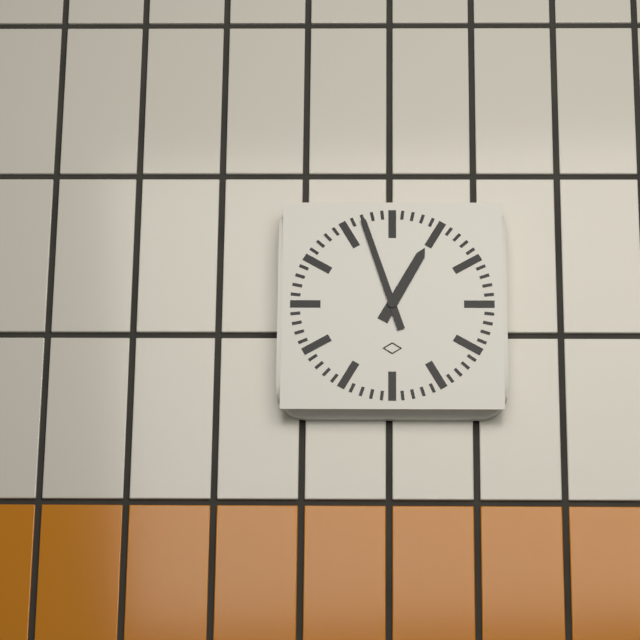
12:57
